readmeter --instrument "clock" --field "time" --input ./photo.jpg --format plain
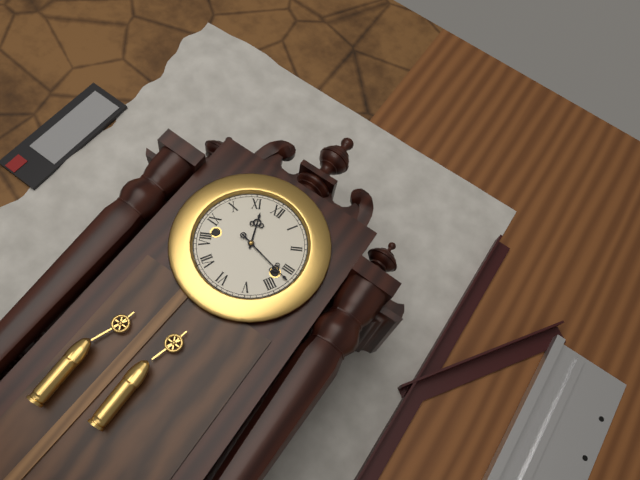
11:17
